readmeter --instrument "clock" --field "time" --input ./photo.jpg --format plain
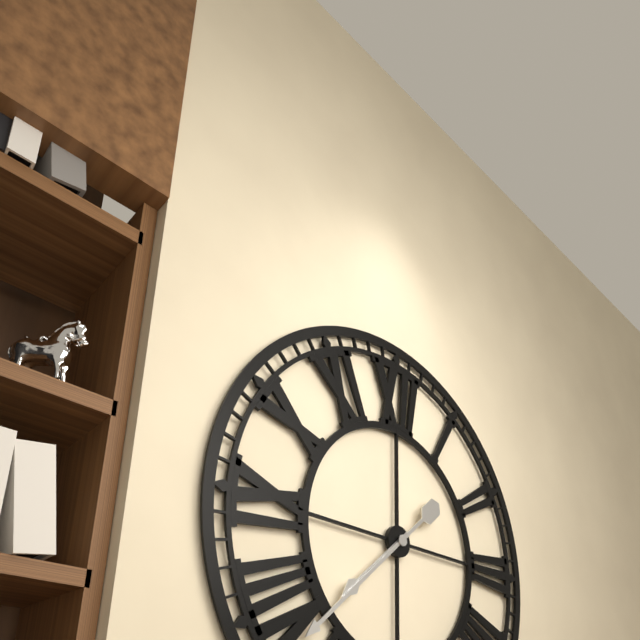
7:38
